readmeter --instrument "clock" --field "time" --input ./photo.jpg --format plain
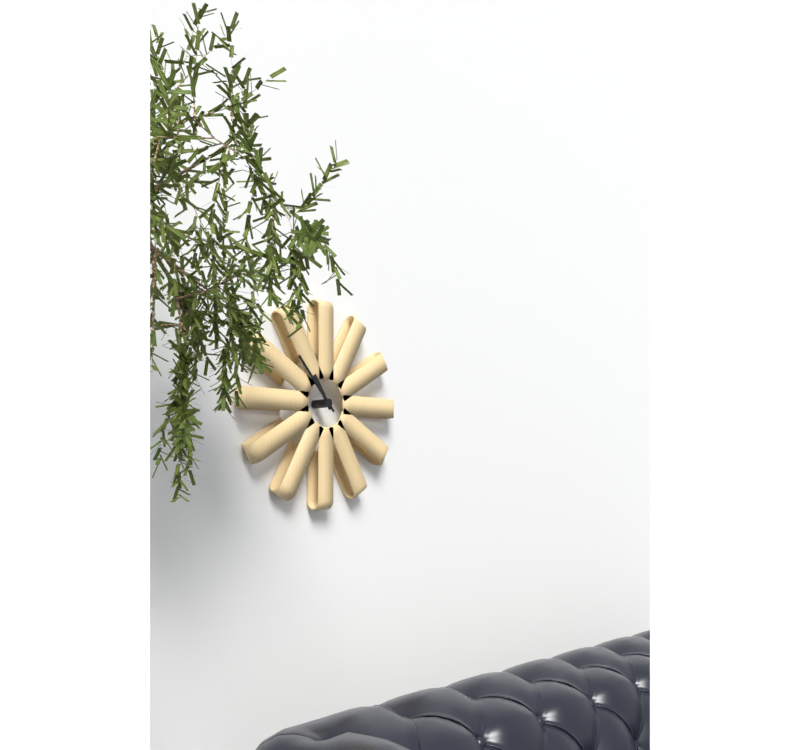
10:53
